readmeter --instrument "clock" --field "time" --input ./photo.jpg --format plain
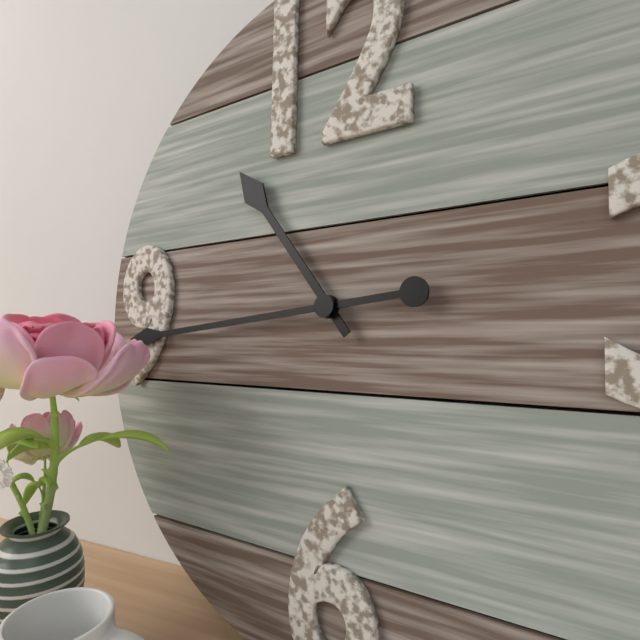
10:44
